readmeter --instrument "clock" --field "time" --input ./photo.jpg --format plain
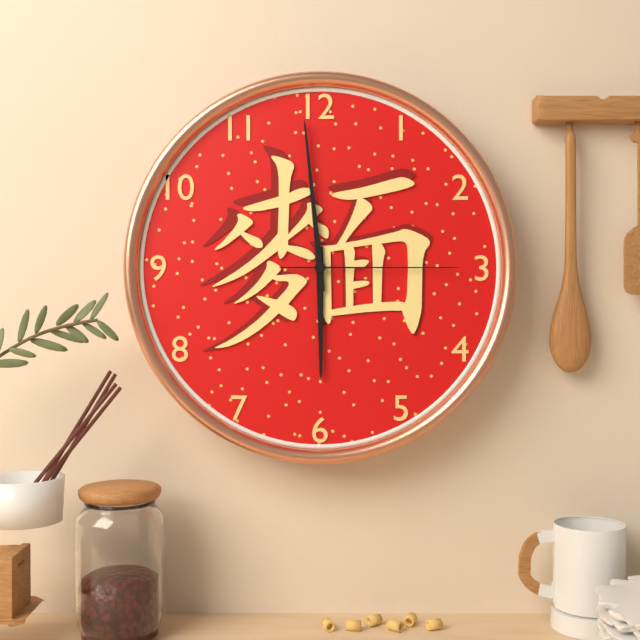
5:59:15
